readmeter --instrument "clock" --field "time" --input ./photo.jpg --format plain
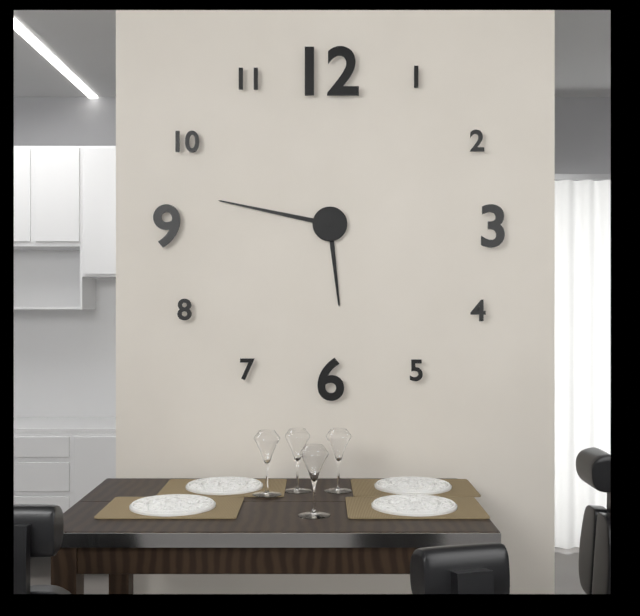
5:47
